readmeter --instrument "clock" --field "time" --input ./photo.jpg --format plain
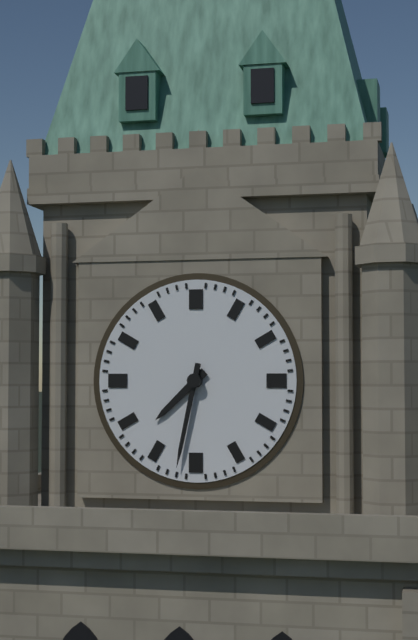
7:32
